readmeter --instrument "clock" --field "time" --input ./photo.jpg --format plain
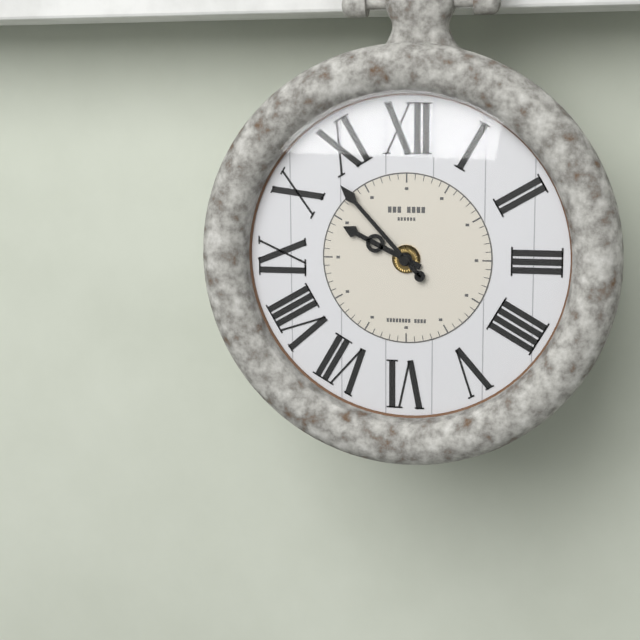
9:53
